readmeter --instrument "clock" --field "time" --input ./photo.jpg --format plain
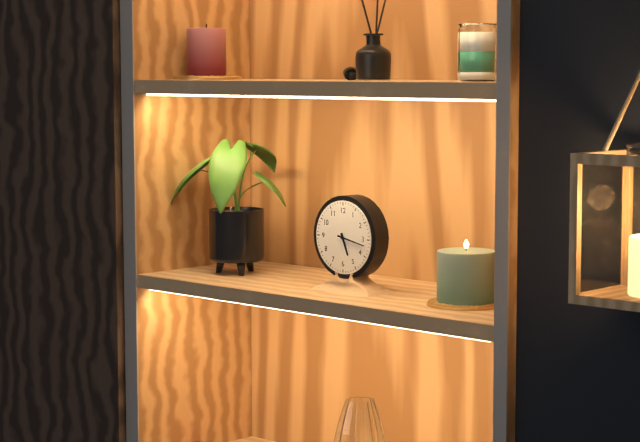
5:17
